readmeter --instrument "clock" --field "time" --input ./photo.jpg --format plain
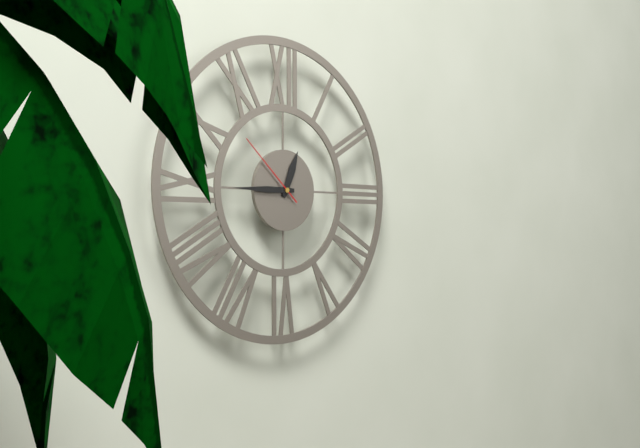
12:45:52
